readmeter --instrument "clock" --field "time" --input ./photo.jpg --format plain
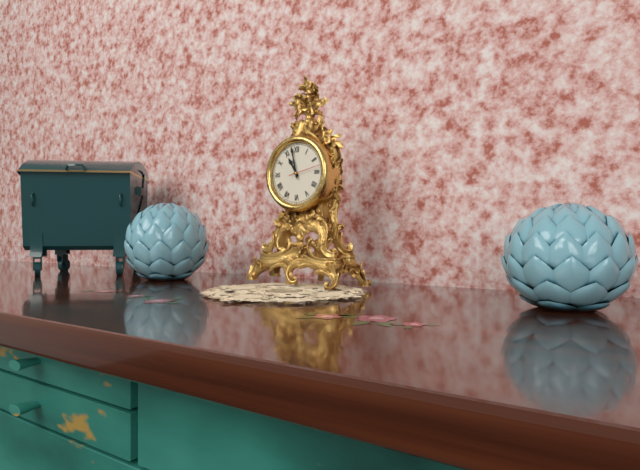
10:58
